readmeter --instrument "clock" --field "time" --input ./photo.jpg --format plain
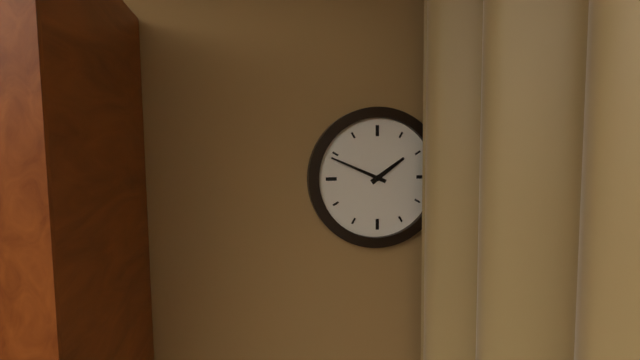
1:49
